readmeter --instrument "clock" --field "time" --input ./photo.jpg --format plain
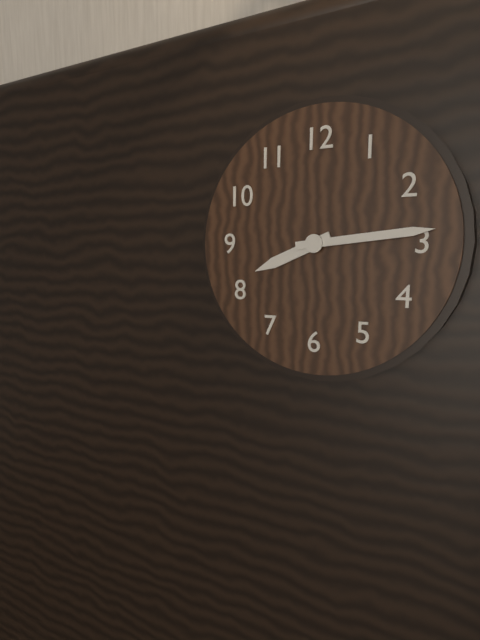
8:14
